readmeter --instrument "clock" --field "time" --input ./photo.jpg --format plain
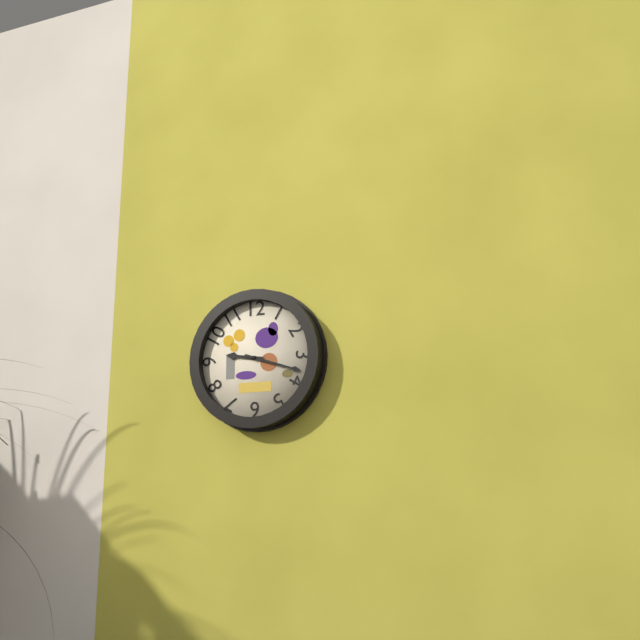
9:18
